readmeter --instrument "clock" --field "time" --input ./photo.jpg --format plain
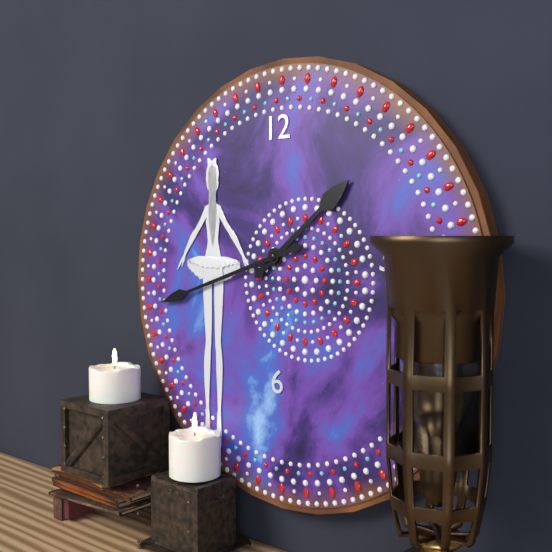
1:42
